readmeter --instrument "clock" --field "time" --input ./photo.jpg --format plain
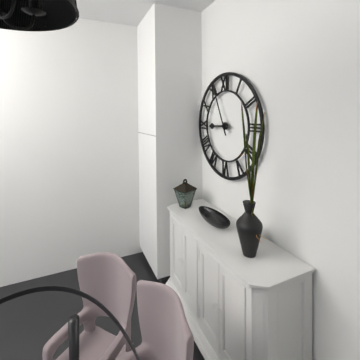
8:56
